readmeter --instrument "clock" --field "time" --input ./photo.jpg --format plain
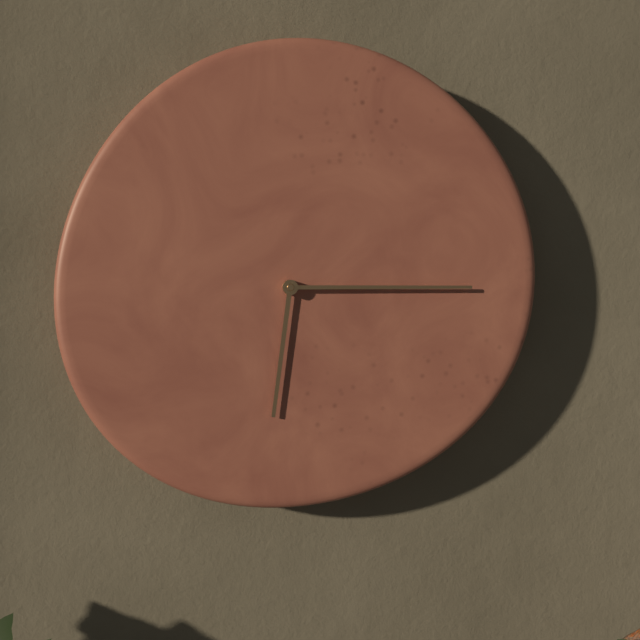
6:15
